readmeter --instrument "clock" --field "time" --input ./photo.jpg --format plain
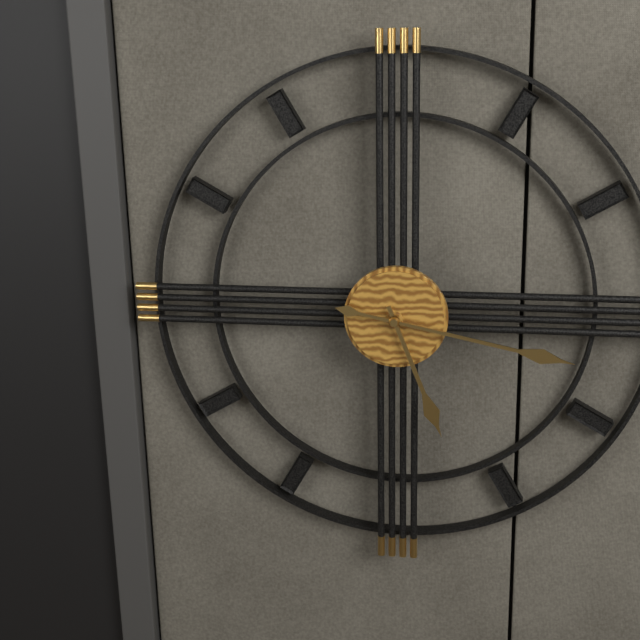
5:17
